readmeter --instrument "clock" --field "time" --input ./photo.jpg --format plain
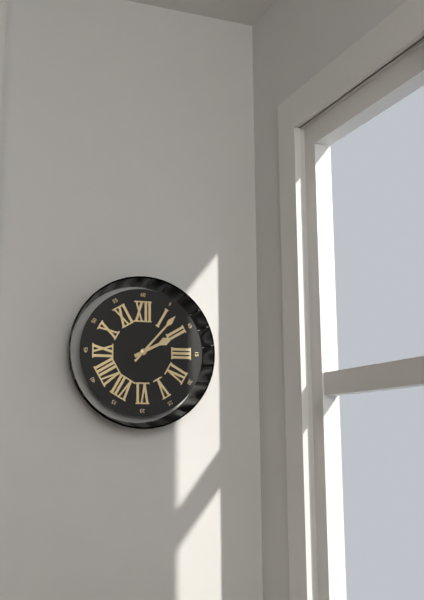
2:07
